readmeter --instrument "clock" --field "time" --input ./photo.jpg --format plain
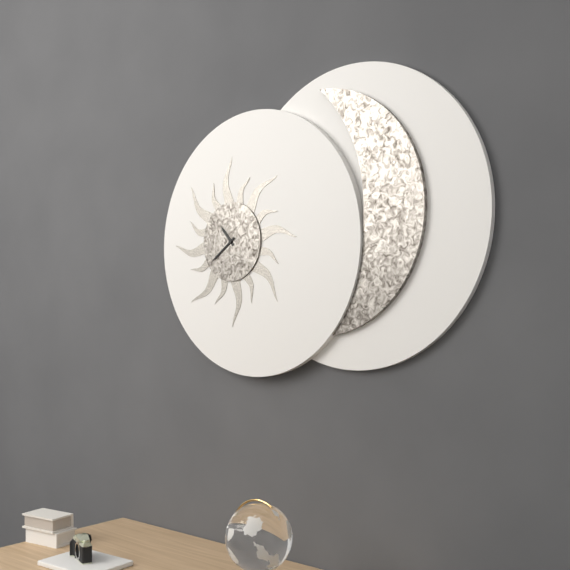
10:39
